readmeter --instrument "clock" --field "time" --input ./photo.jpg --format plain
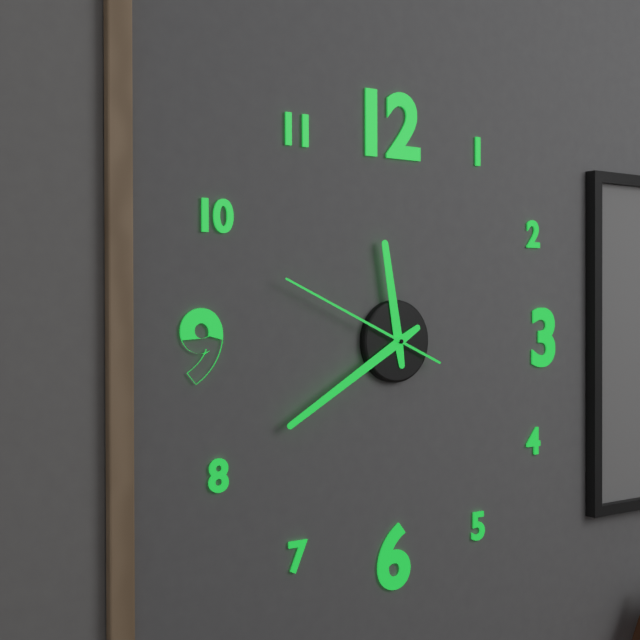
11:40:49
